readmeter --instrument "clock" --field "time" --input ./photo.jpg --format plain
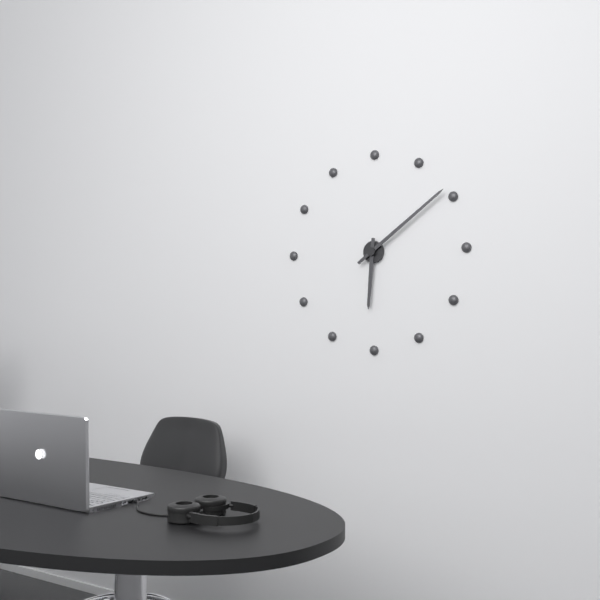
6:09
